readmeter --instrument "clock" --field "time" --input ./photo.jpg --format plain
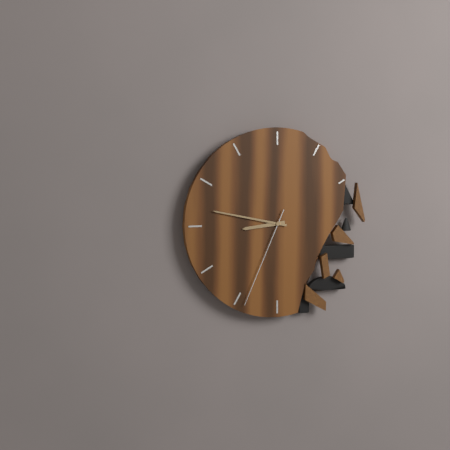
8:47:34
